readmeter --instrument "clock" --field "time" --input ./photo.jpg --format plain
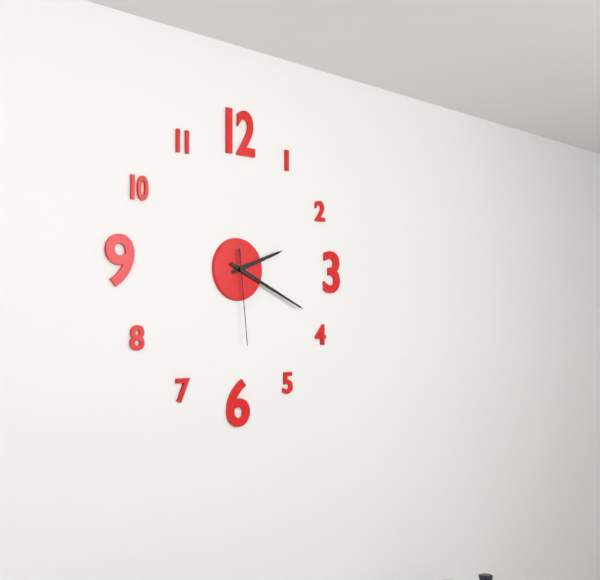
2:19:29
